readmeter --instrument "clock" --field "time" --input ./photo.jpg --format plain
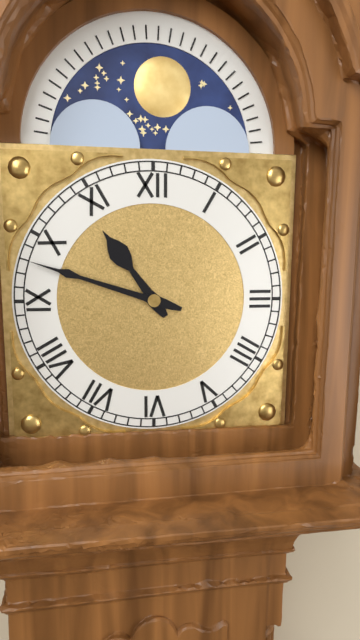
10:48
